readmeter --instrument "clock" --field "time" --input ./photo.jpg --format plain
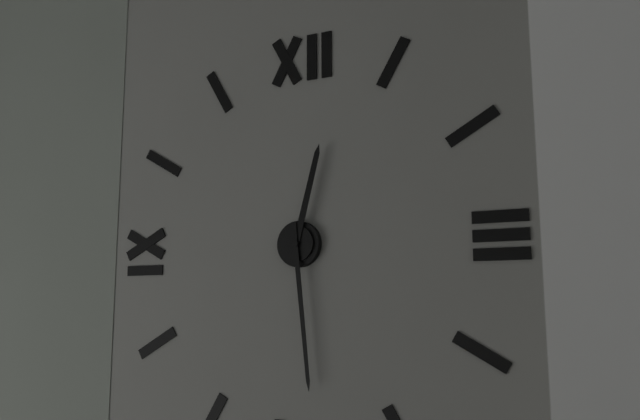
12:29
